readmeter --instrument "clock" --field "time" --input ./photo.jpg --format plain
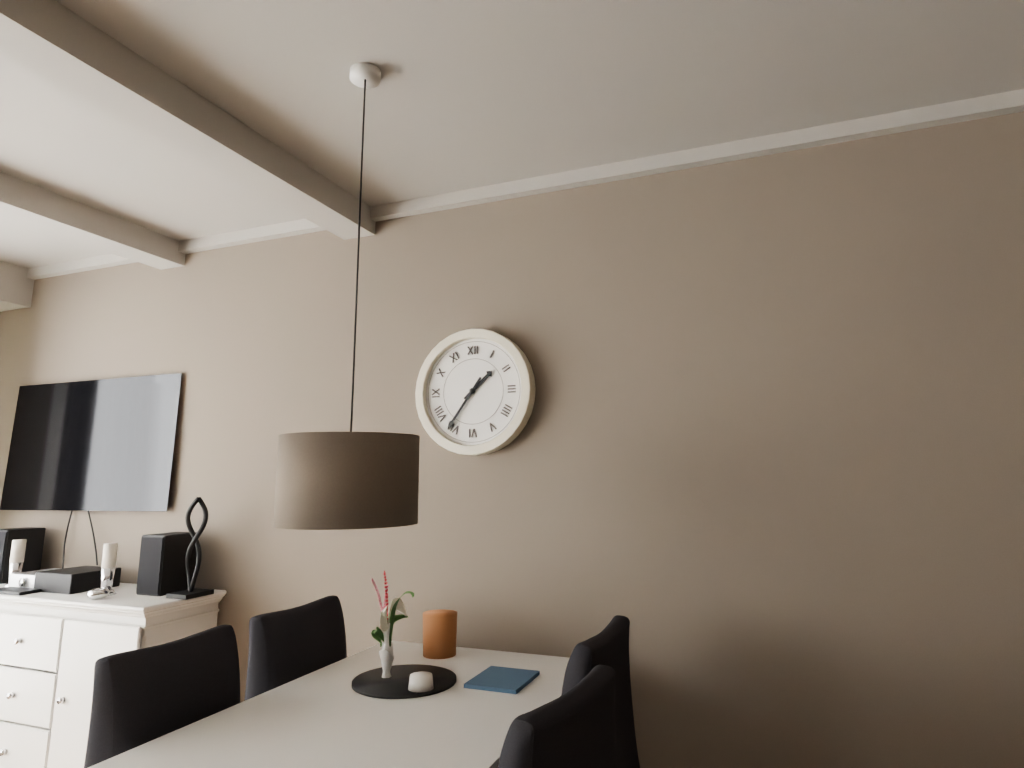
1:36
